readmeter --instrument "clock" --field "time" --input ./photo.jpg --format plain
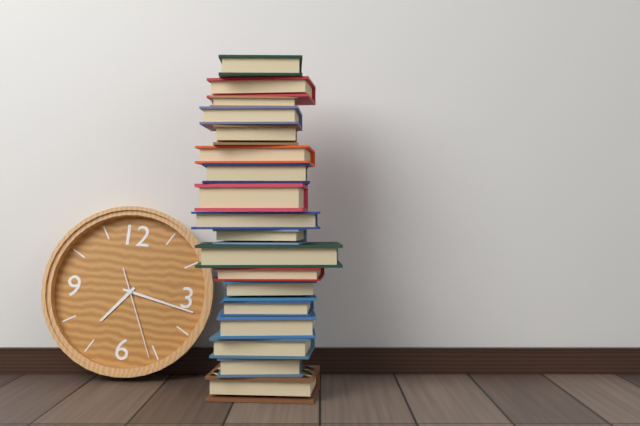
7:17:26
